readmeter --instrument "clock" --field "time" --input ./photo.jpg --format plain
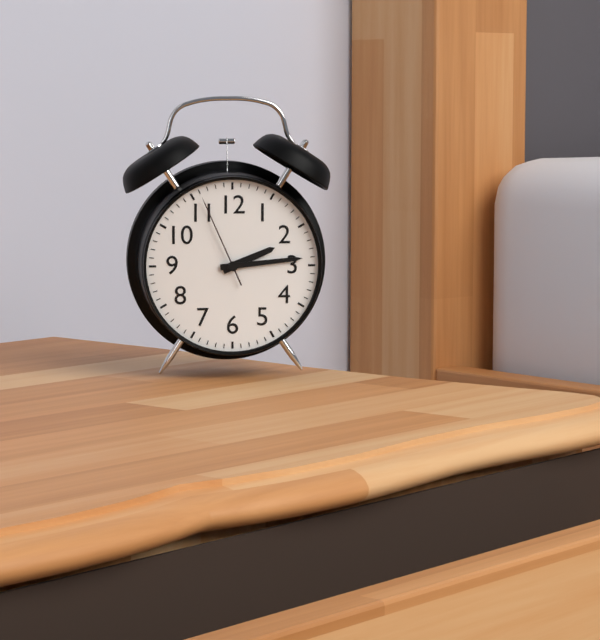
2:14:56
